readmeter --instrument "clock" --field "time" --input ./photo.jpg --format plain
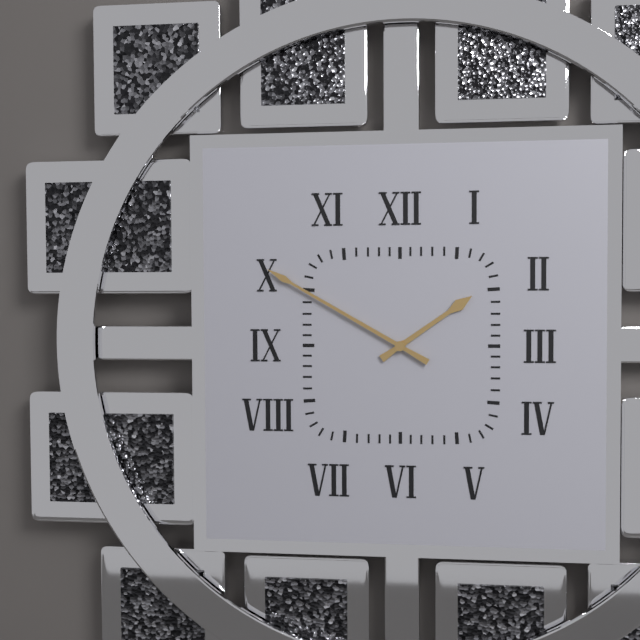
1:50
